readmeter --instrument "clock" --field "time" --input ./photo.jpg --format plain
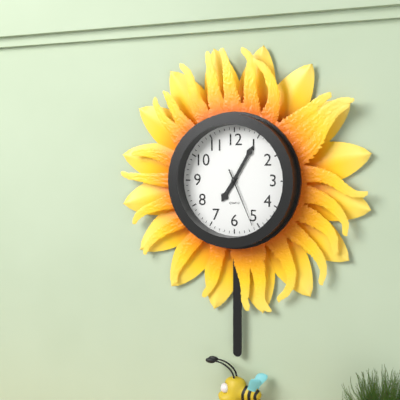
7:05:26
